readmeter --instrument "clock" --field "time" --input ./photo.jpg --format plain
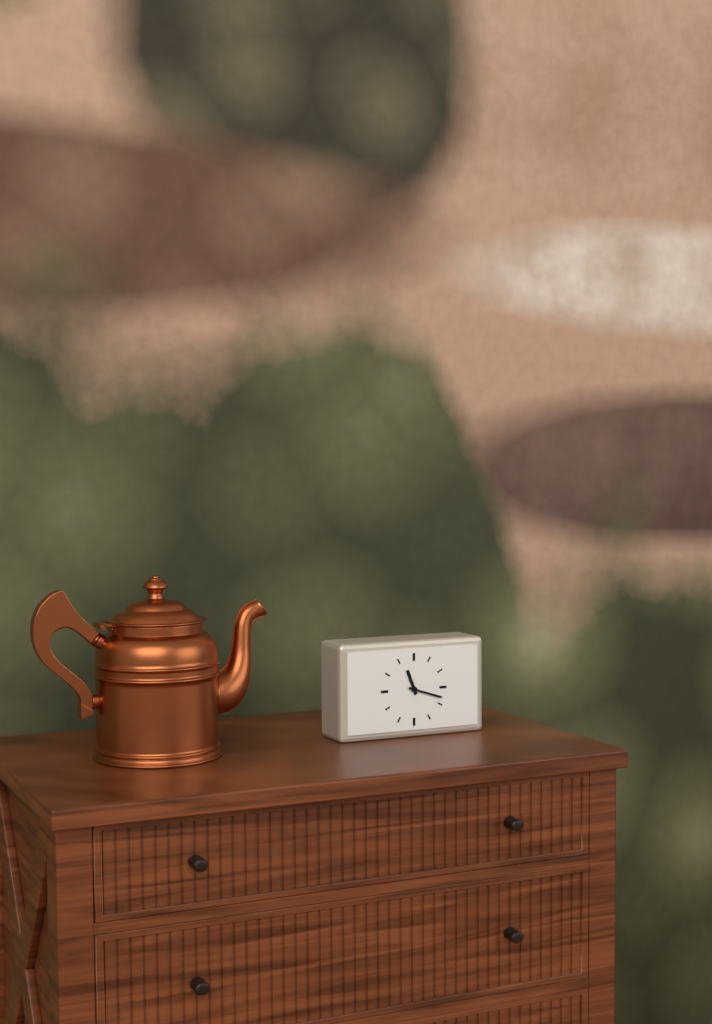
11:18
